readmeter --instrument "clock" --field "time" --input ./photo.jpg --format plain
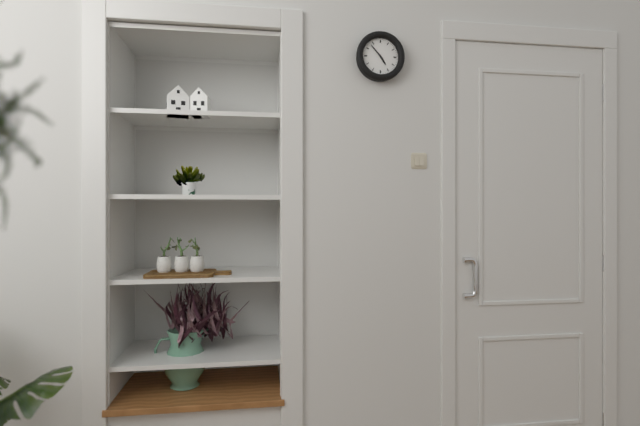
4:53
